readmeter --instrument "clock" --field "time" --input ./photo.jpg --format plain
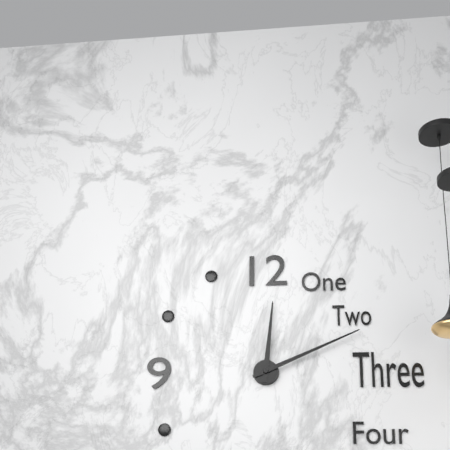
12:11
